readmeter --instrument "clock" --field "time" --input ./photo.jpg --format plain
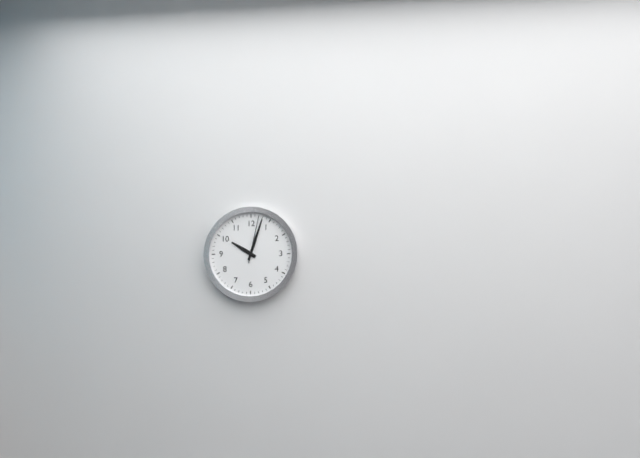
10:03
